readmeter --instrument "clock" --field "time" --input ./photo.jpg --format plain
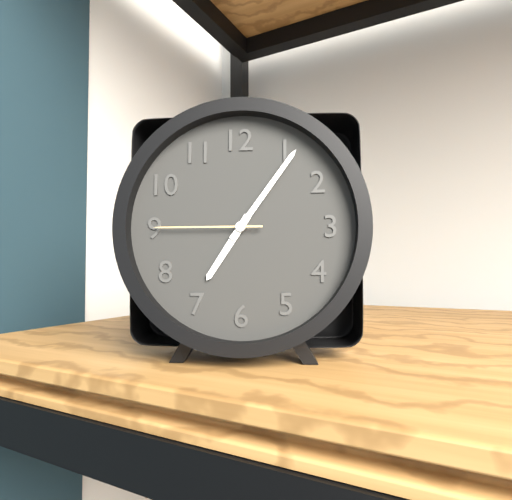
7:06:45
